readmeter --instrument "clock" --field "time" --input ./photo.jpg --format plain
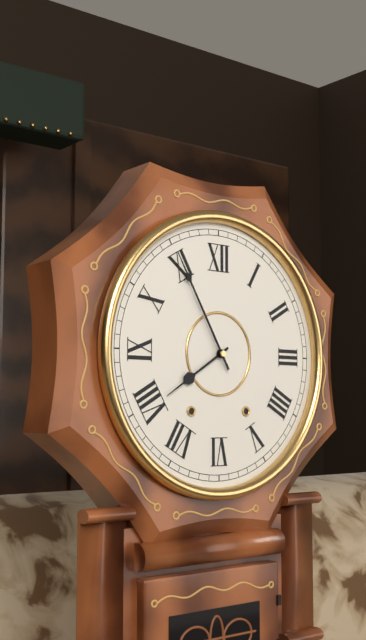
7:55
